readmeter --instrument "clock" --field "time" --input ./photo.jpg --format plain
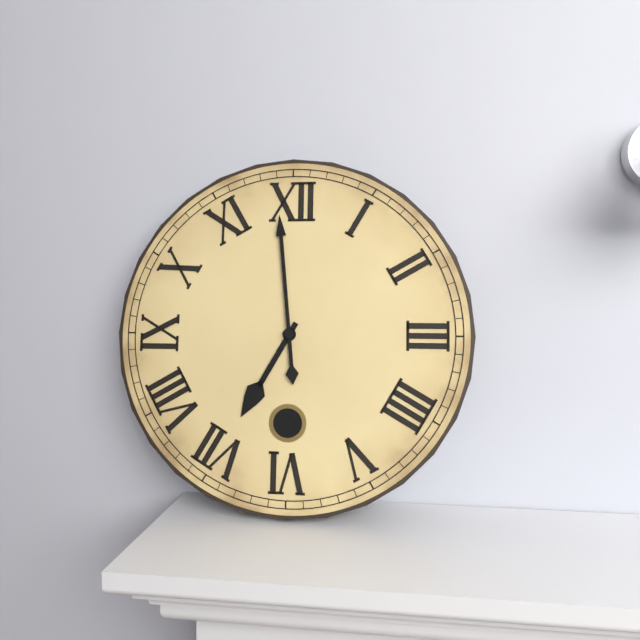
6:59
